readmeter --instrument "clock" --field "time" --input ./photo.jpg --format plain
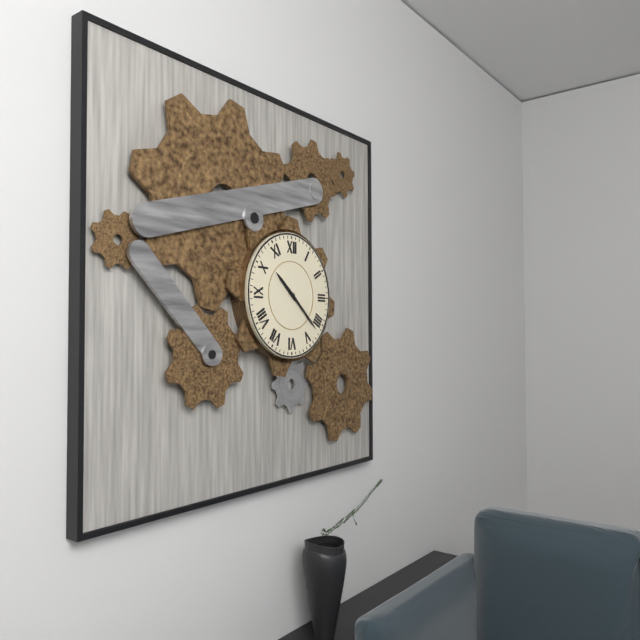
10:22
